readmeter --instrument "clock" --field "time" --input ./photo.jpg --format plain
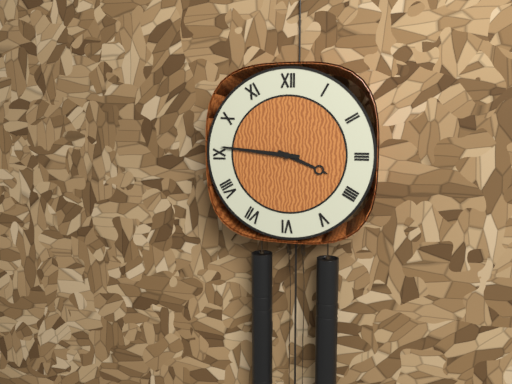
3:46
